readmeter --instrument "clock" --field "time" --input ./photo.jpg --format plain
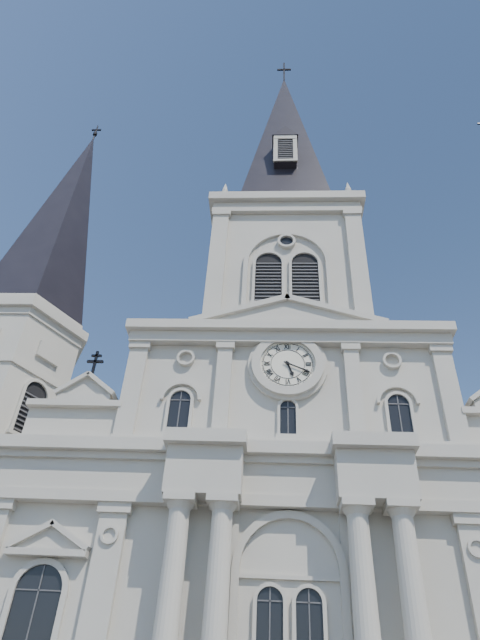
5:19
